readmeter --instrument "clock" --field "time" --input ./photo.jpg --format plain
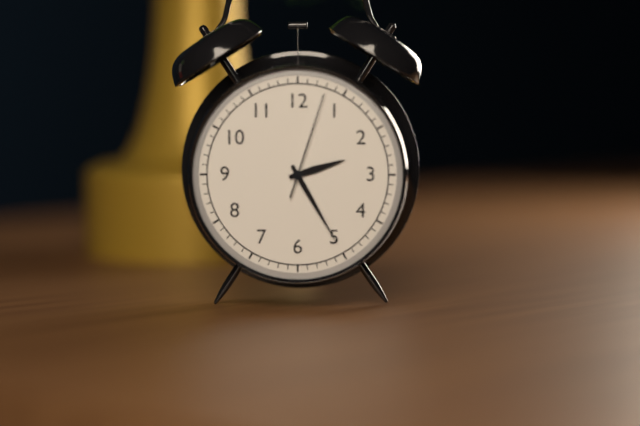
2:25:03
